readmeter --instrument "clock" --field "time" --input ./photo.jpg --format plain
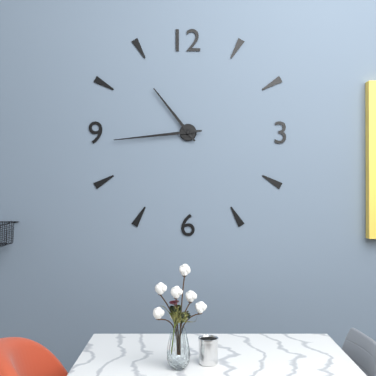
10:44
